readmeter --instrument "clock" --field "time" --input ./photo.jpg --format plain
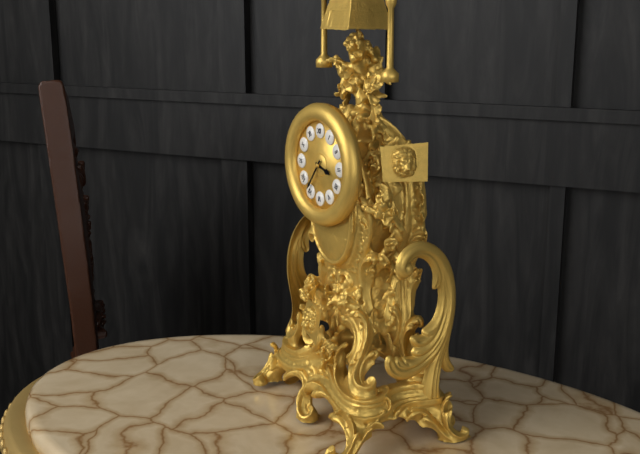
3:36
